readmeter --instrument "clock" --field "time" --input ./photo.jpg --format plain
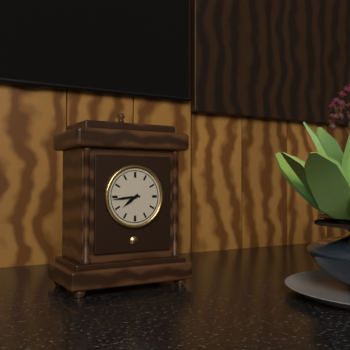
7:44
